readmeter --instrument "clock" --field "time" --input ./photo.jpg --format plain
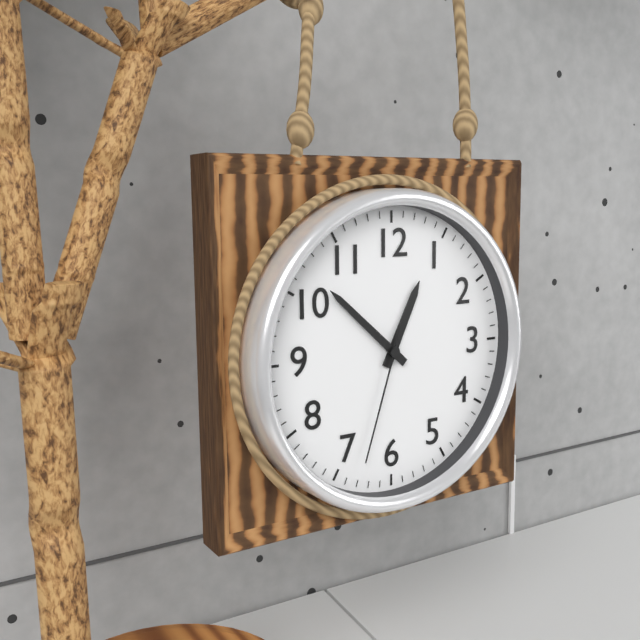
12:52:33
